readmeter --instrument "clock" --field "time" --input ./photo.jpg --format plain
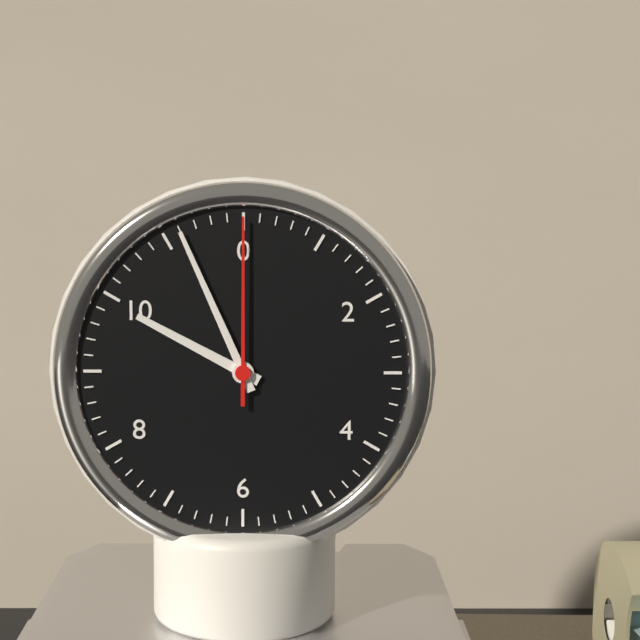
9:56:00
